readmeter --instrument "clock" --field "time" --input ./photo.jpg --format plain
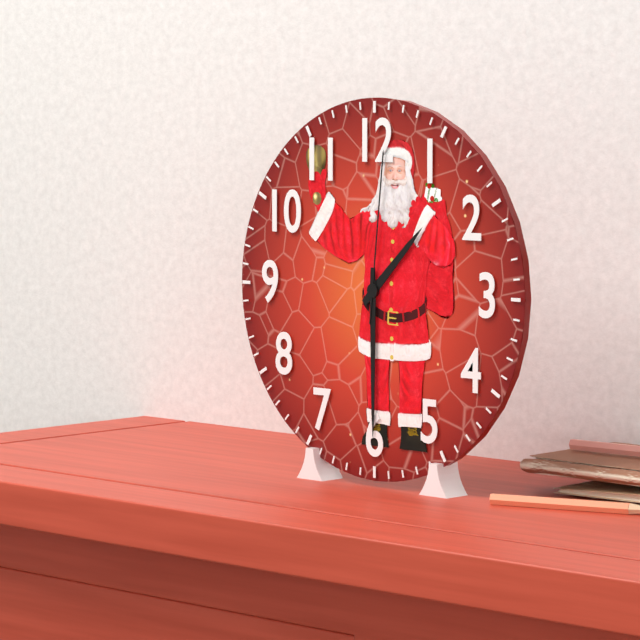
1:30:01
